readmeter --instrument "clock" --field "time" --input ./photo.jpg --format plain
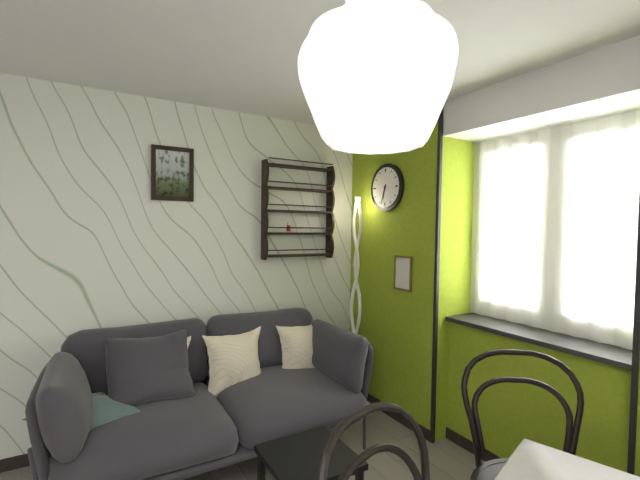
6:33
